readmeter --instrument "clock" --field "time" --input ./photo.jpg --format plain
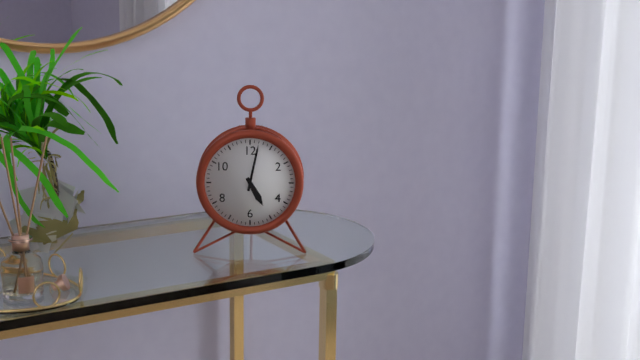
5:02
